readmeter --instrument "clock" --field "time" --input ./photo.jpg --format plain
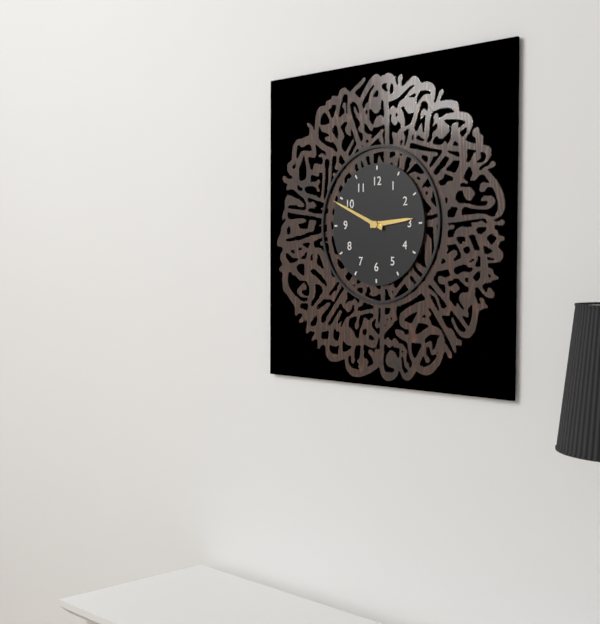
2:49
